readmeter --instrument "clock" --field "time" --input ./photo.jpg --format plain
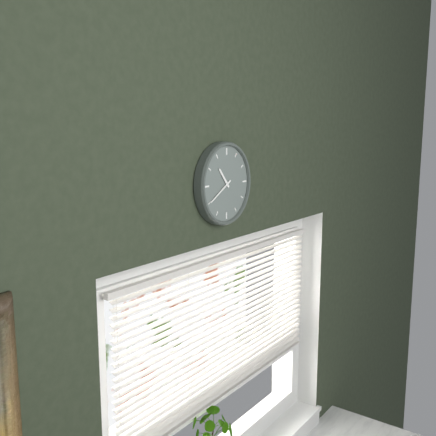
10:40
